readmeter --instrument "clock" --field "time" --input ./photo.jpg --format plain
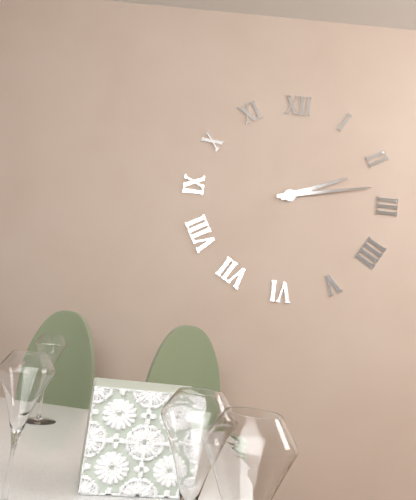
2:13
